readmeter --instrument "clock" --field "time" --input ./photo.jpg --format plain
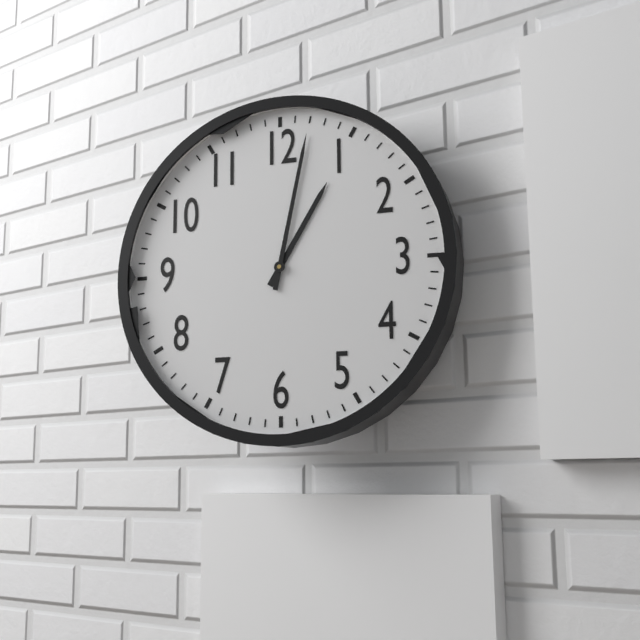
1:02
